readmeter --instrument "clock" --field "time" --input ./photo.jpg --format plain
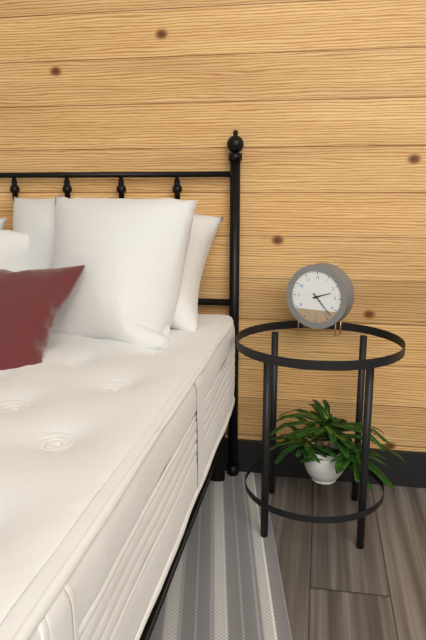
2:23
